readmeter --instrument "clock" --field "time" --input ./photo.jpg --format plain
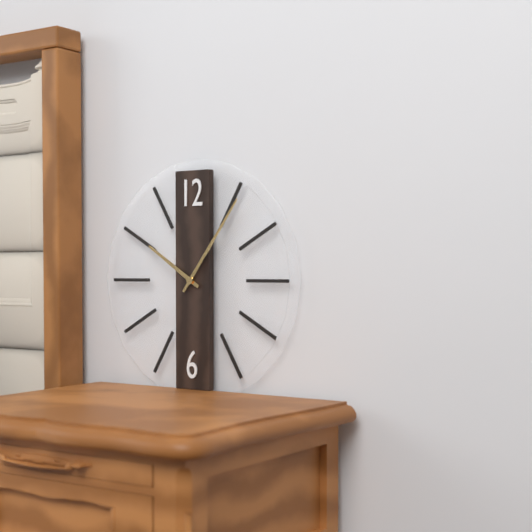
10:06
